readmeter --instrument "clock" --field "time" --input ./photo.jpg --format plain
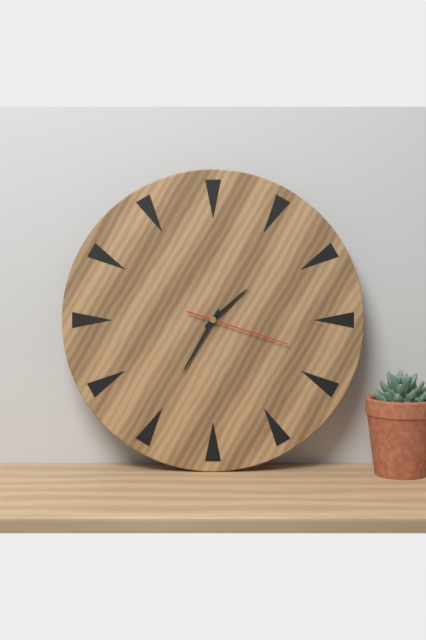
1:35:18
